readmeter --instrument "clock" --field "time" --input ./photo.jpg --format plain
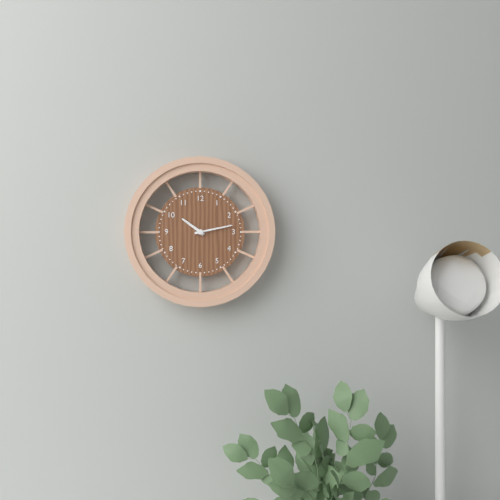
10:13
